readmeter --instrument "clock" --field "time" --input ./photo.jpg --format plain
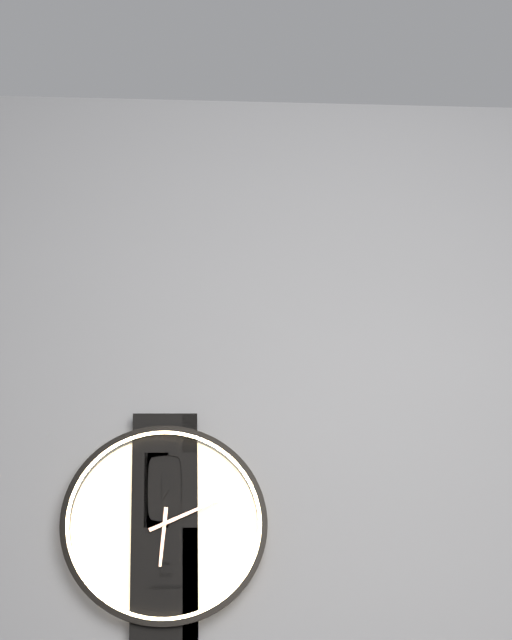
6:11
